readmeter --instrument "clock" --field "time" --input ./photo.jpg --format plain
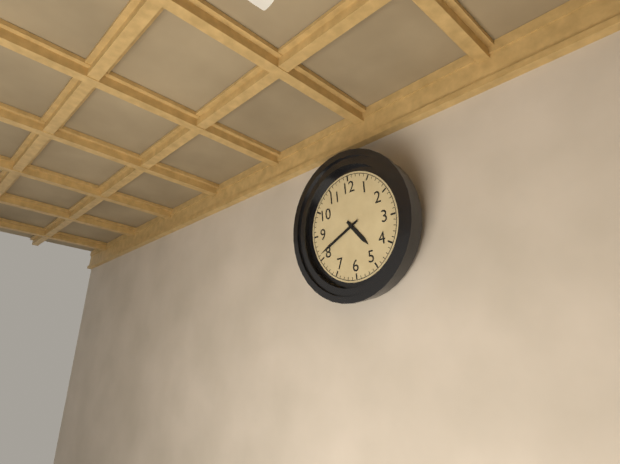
4:41
